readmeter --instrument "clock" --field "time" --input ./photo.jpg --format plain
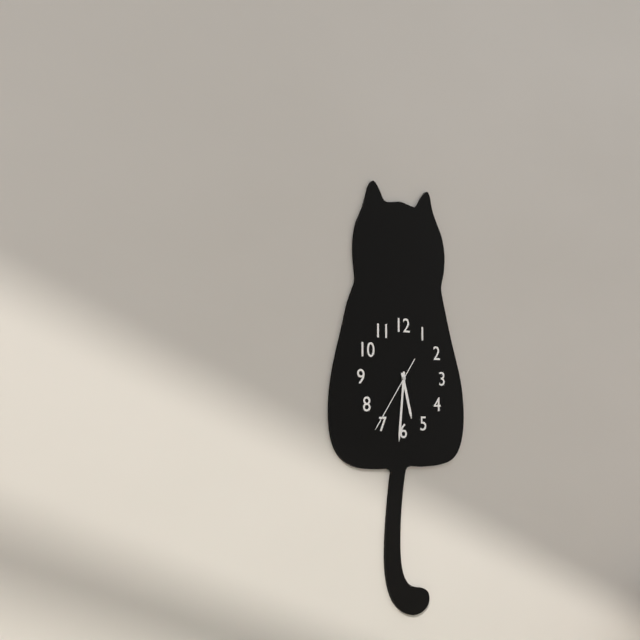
5:31:36
